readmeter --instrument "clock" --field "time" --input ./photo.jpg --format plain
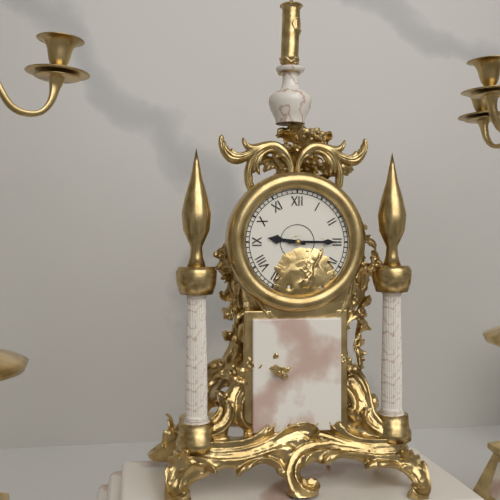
9:15
